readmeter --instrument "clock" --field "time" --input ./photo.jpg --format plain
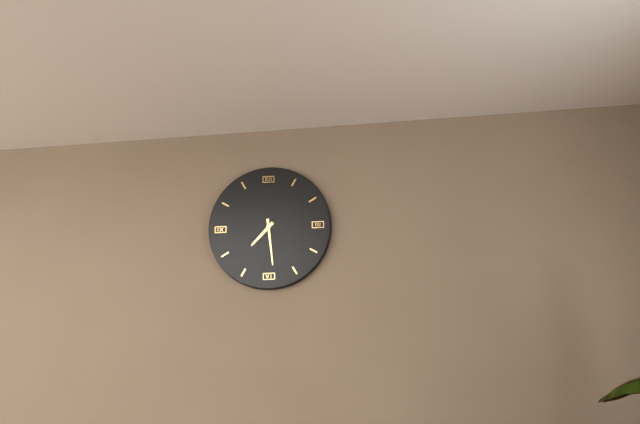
7:29
